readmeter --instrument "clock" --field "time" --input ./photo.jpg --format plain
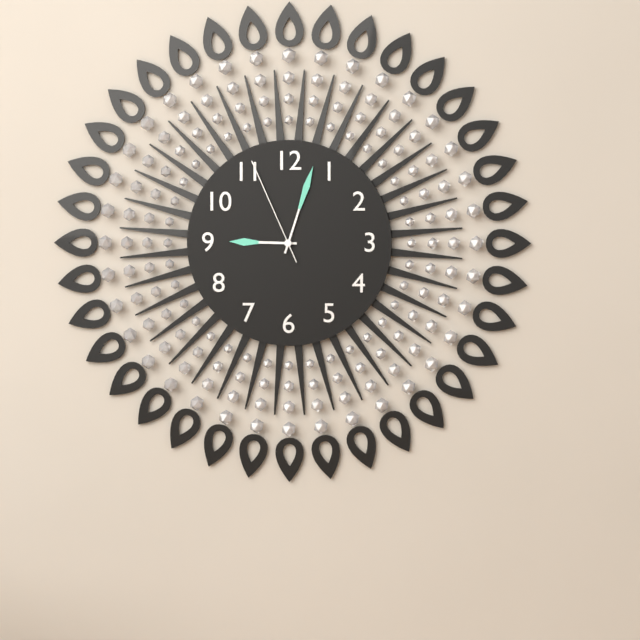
9:03:56
